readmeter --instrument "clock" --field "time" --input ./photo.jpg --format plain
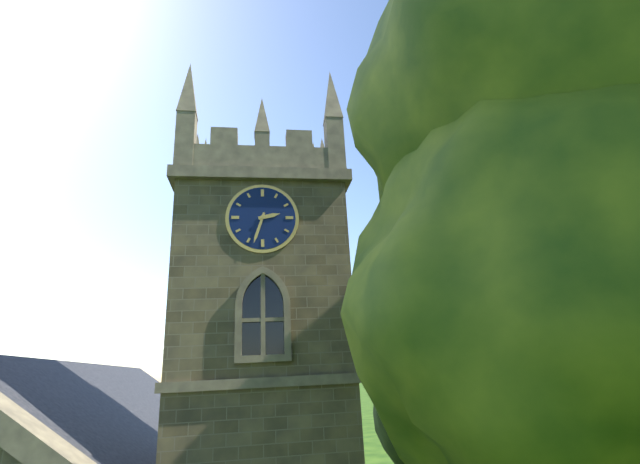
2:33
